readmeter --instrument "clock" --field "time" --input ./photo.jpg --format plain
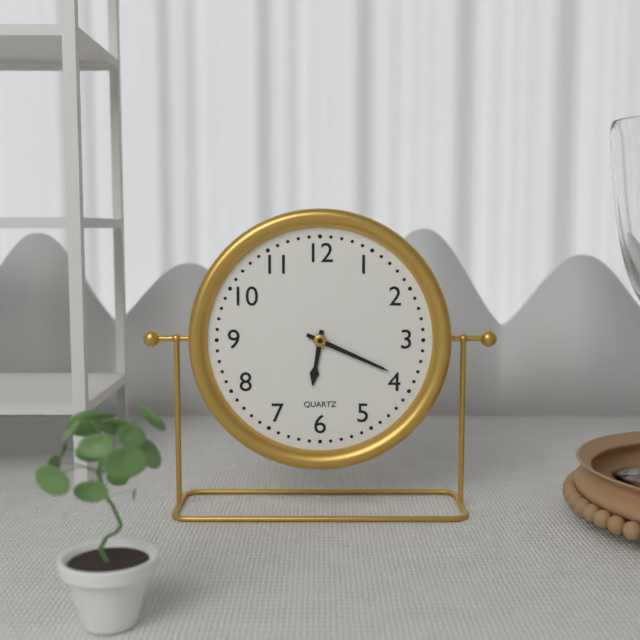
6:19
